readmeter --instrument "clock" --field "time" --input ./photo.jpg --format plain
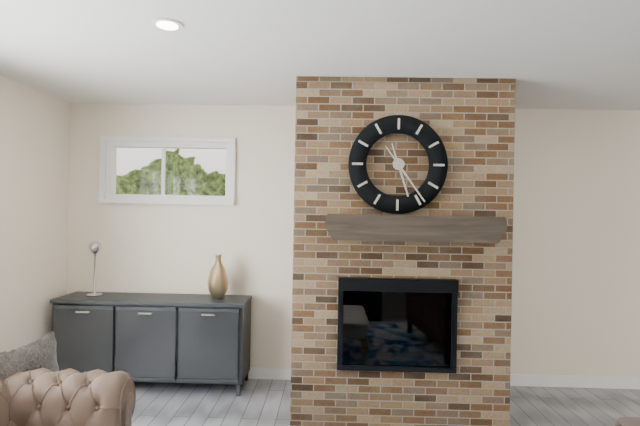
5:24
